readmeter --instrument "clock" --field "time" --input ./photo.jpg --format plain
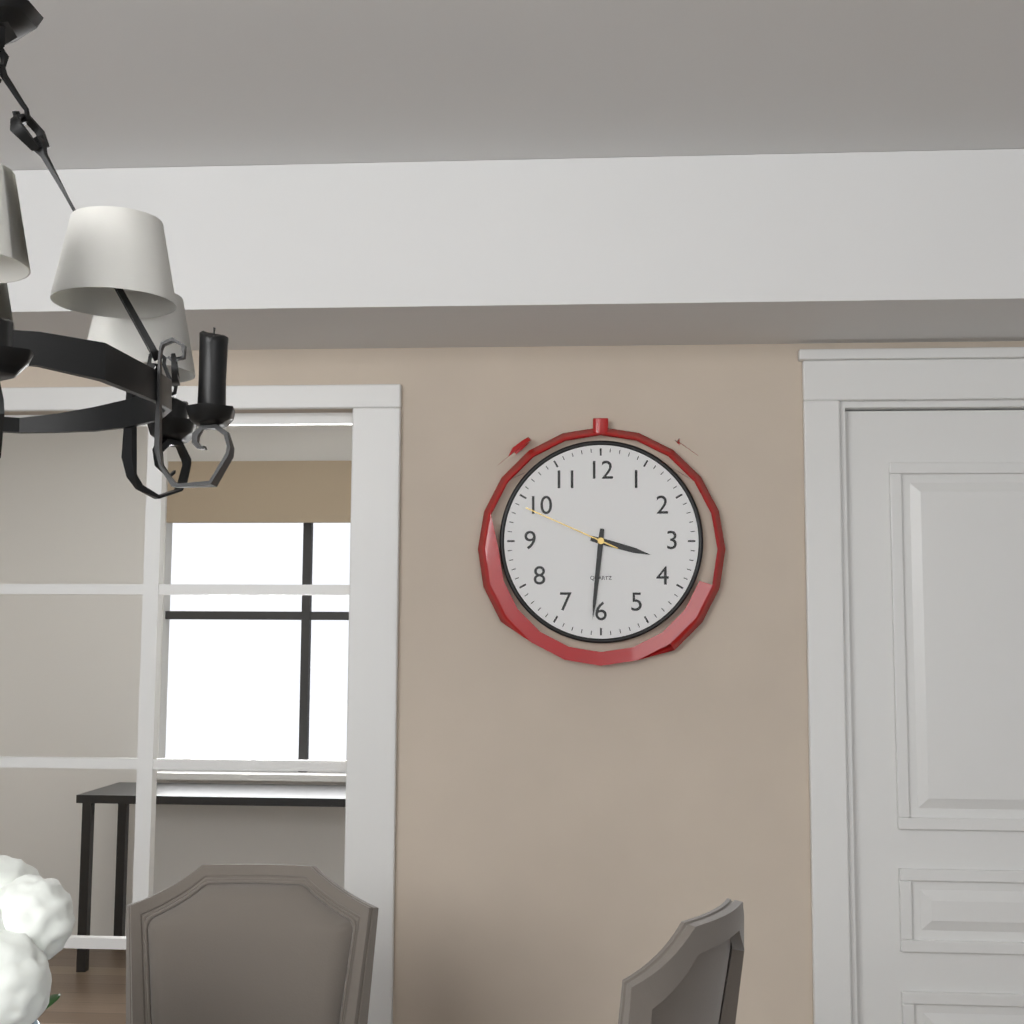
3:31:49
